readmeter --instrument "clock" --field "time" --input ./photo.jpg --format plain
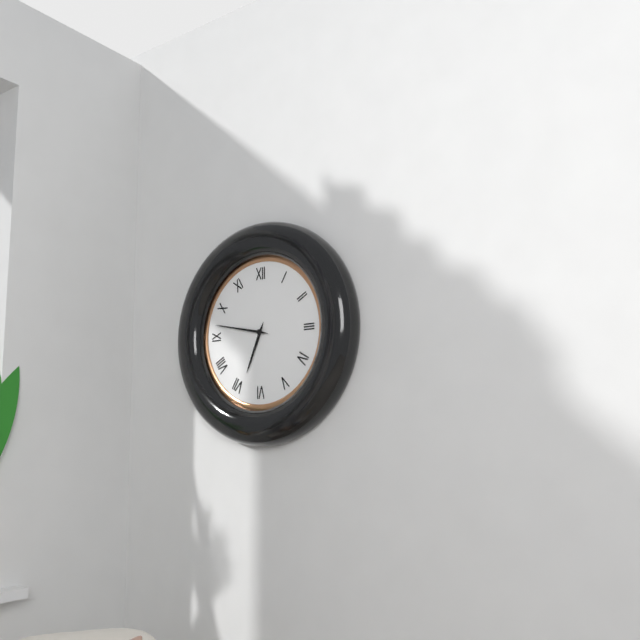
6:47
